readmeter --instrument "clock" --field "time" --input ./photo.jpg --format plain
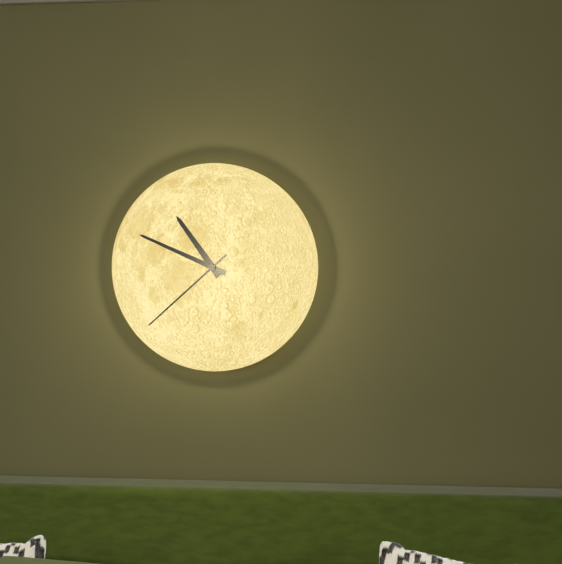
10:49:38
